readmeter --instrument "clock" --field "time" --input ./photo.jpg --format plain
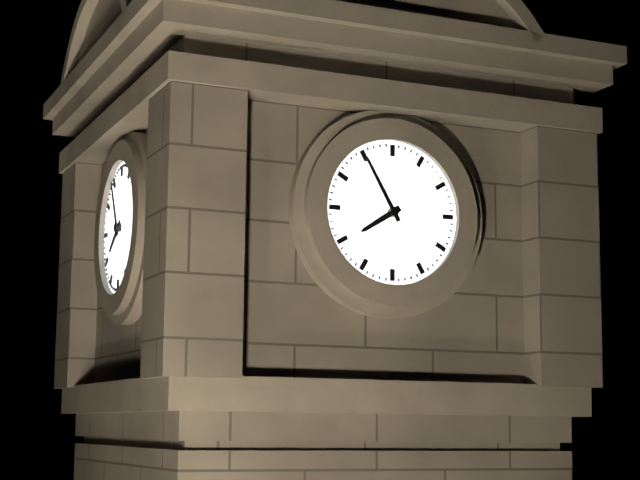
7:55
